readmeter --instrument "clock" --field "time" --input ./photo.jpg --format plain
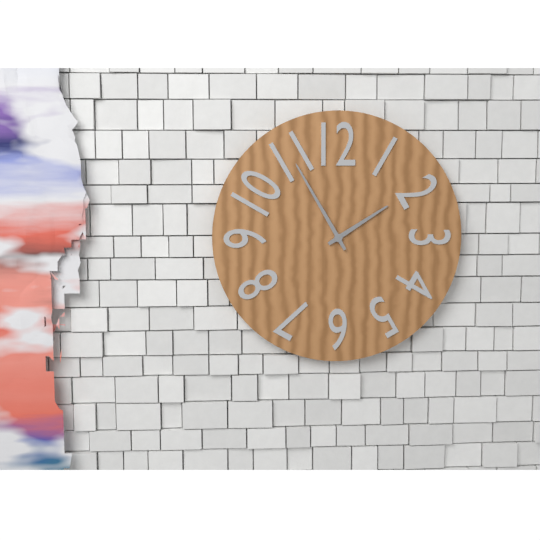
1:55
